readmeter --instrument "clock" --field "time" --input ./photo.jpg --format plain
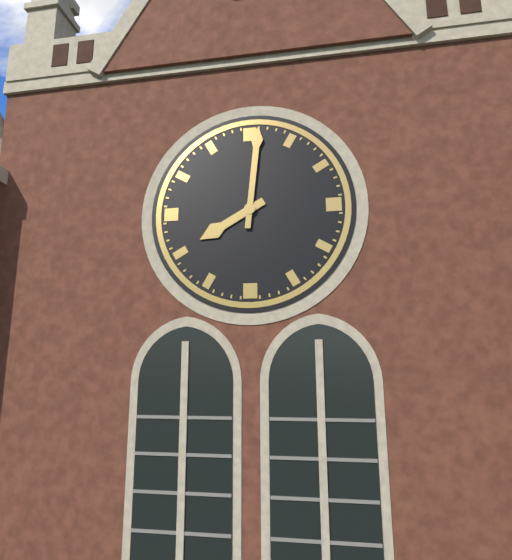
8:01
